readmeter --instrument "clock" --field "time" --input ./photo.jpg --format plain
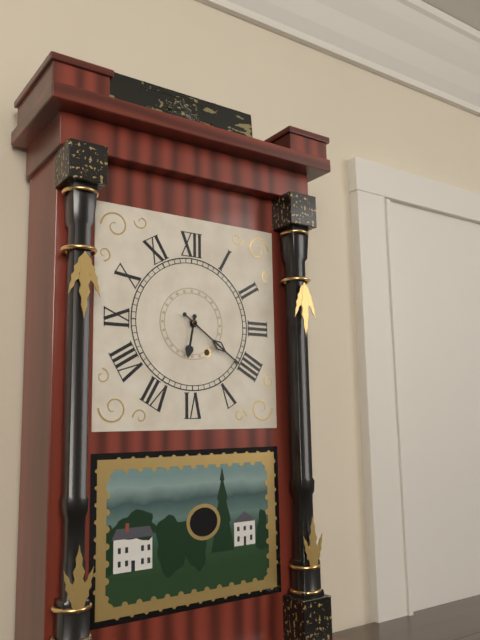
6:21
